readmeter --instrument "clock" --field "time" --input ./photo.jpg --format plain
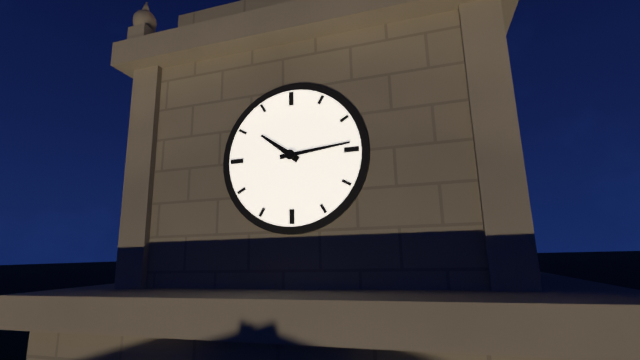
10:14
